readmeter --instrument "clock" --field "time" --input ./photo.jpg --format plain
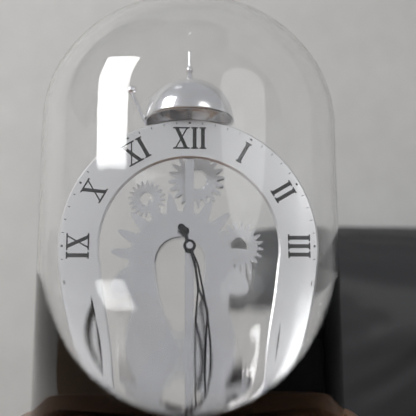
5:26
